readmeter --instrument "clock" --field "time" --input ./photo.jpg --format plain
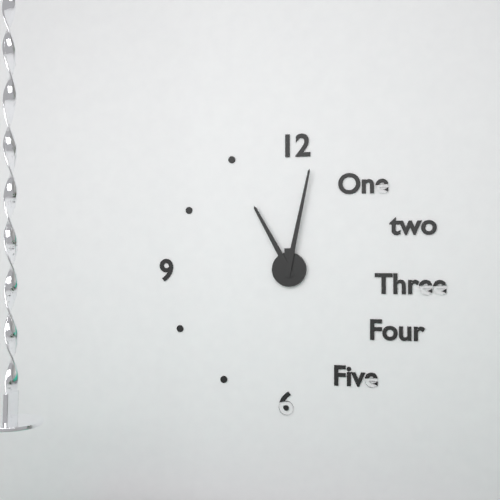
11:02
